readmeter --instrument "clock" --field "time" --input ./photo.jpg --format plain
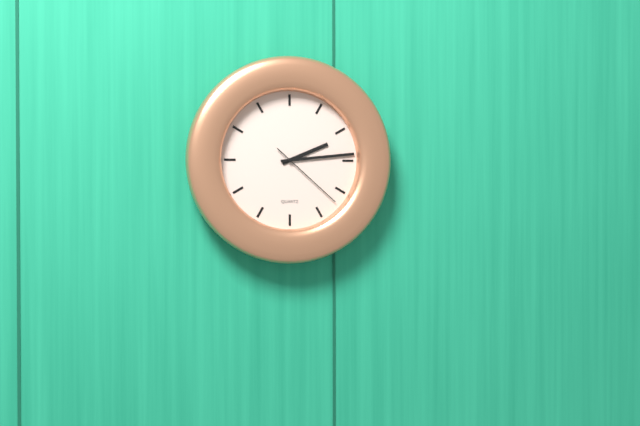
2:14:22
